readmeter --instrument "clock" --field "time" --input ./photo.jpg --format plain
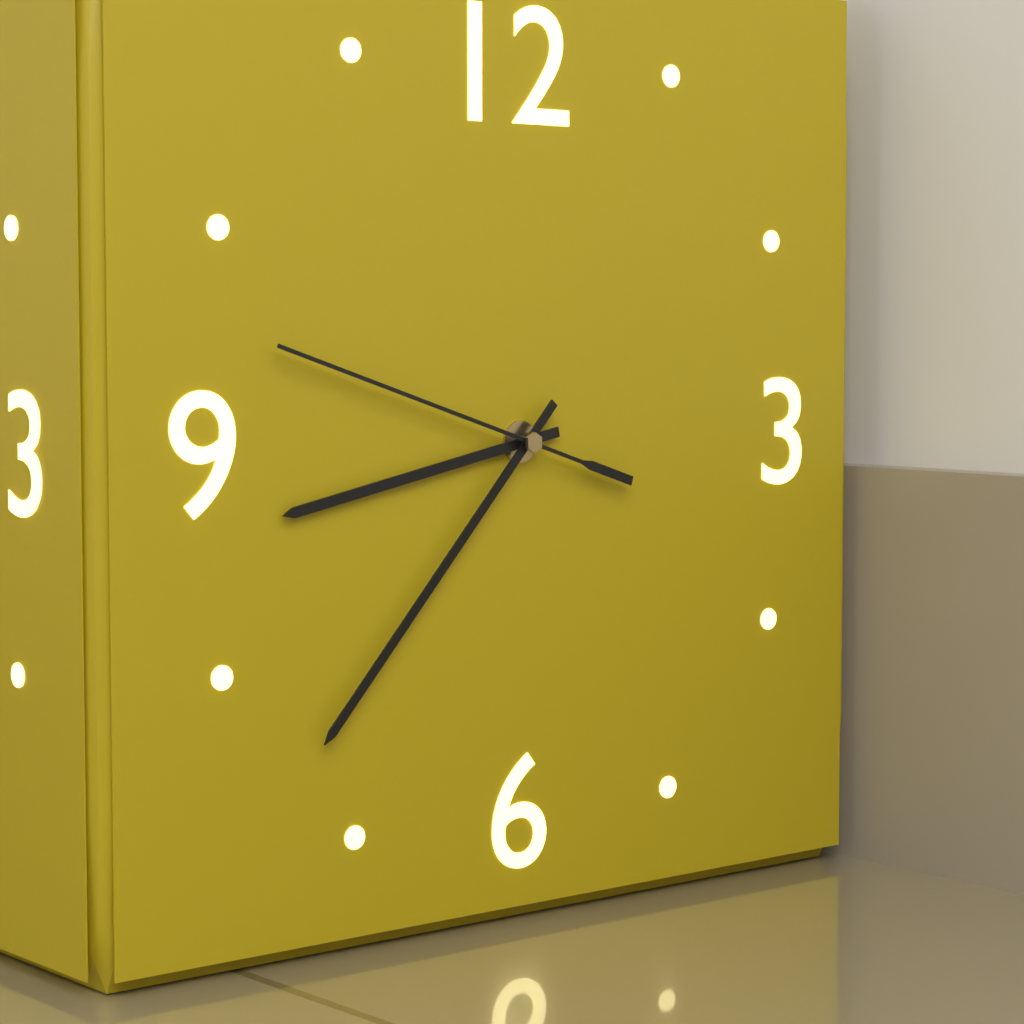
8:37:48
